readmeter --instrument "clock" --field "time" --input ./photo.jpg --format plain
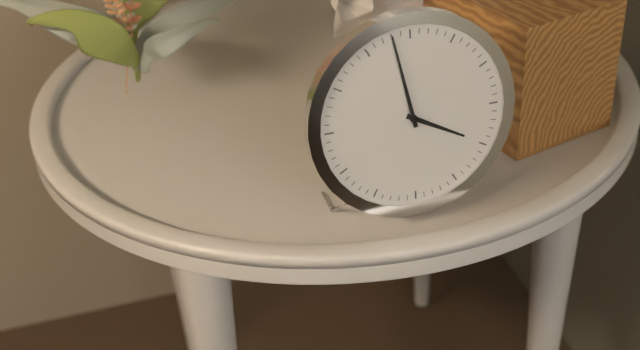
3:58
